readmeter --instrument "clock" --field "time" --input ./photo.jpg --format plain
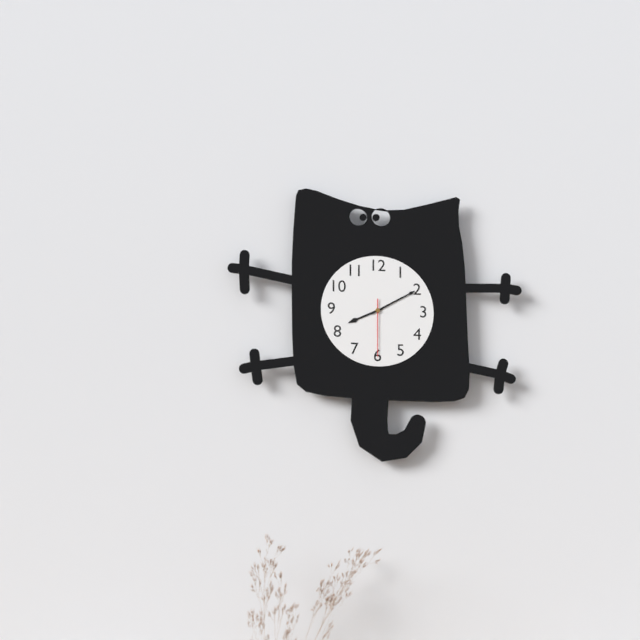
8:10:30
